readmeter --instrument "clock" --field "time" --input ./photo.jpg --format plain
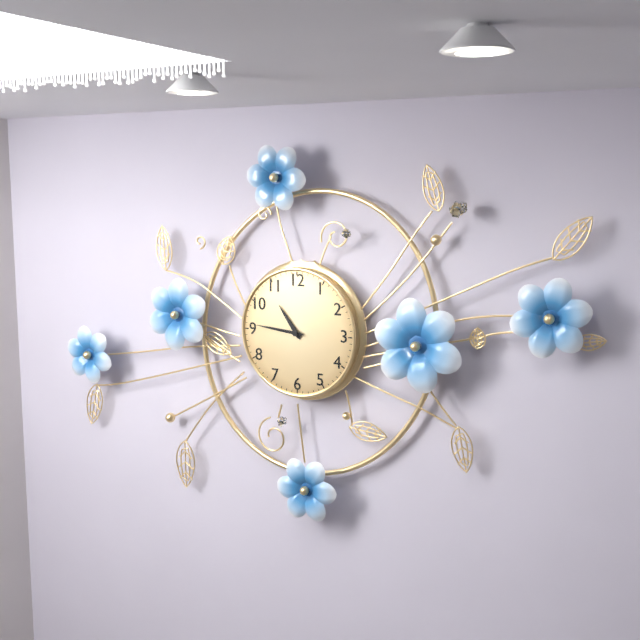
10:46
